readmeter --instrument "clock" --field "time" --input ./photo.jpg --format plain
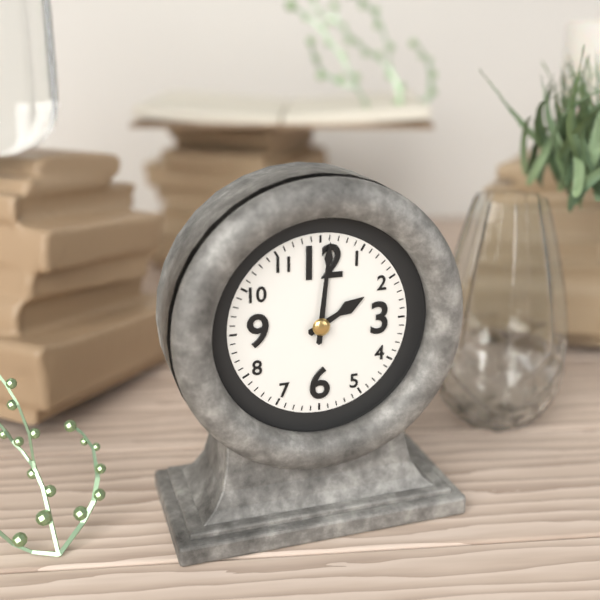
2:01
